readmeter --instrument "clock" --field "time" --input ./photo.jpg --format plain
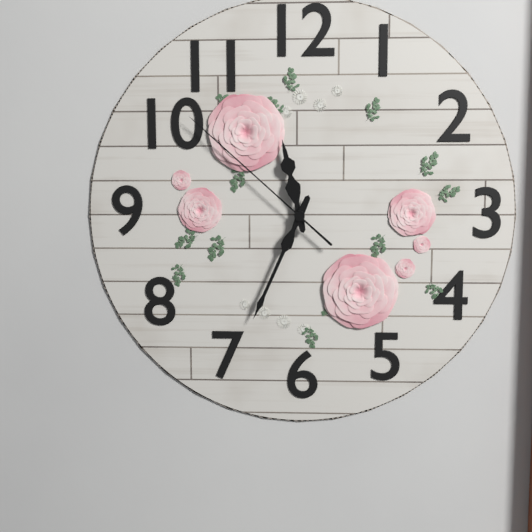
11:34:52
